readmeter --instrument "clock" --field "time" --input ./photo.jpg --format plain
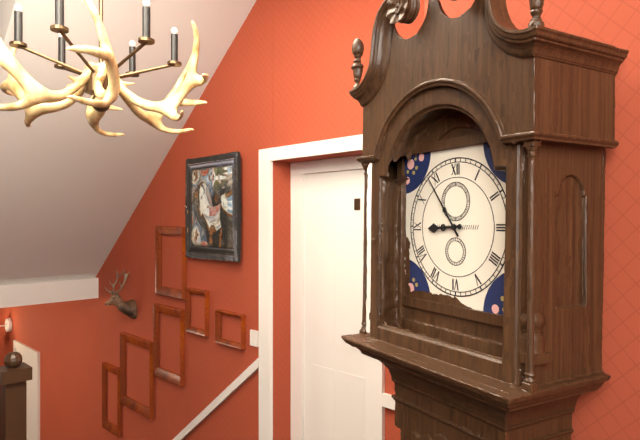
8:54
